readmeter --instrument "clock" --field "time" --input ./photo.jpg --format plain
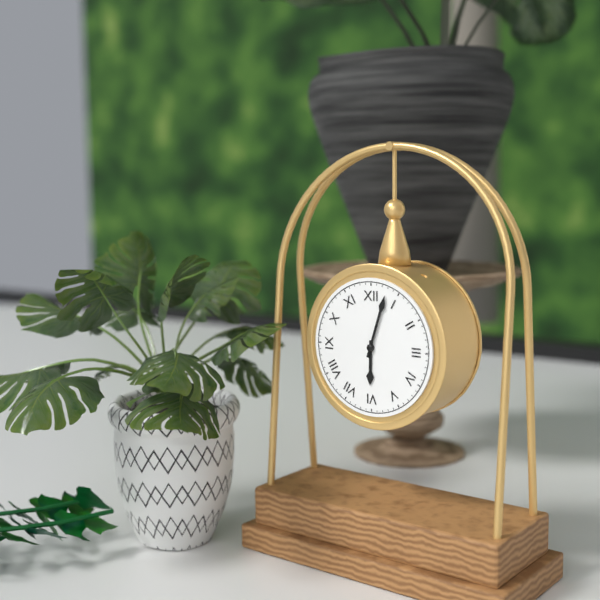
6:03
